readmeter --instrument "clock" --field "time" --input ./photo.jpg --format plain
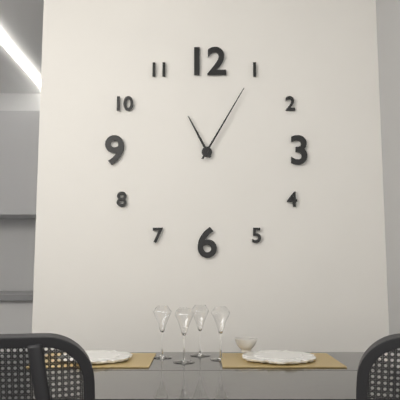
11:05
